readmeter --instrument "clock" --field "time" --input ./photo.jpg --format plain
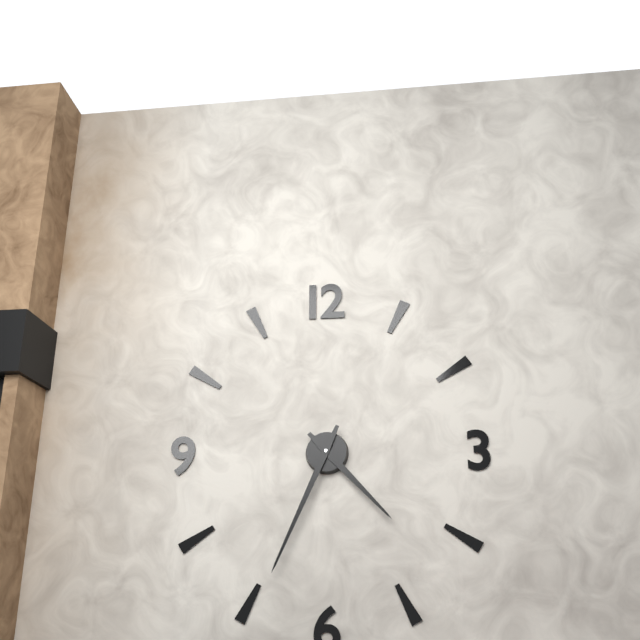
4:34
